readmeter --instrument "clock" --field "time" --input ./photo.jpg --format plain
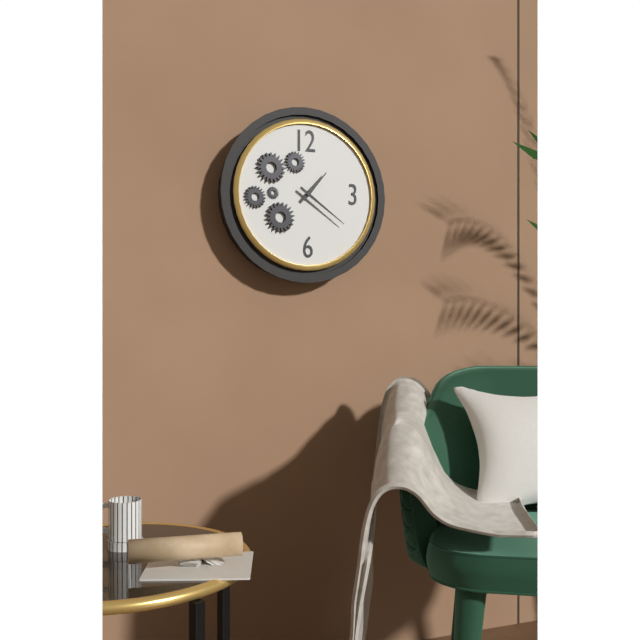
1:21
